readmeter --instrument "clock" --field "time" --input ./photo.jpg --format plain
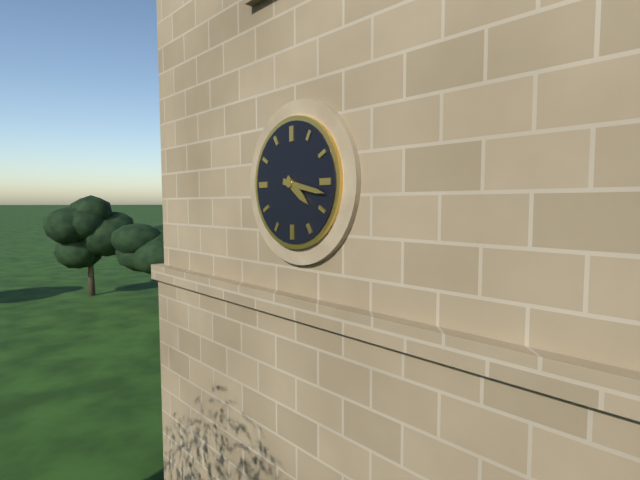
4:17
